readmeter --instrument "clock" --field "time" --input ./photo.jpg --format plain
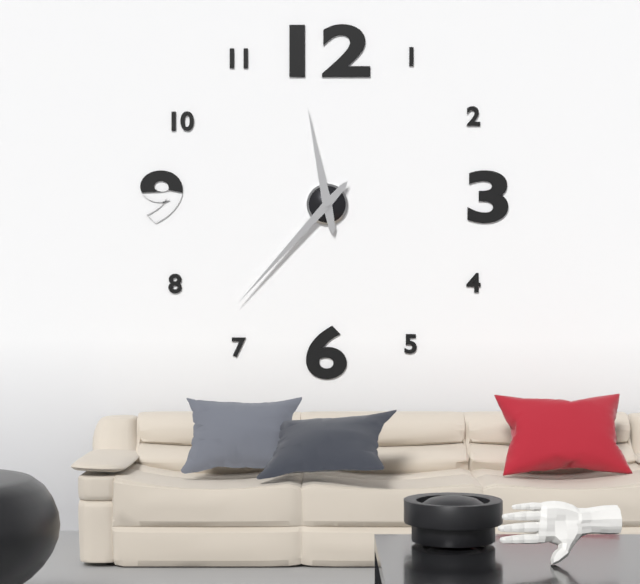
11:37
